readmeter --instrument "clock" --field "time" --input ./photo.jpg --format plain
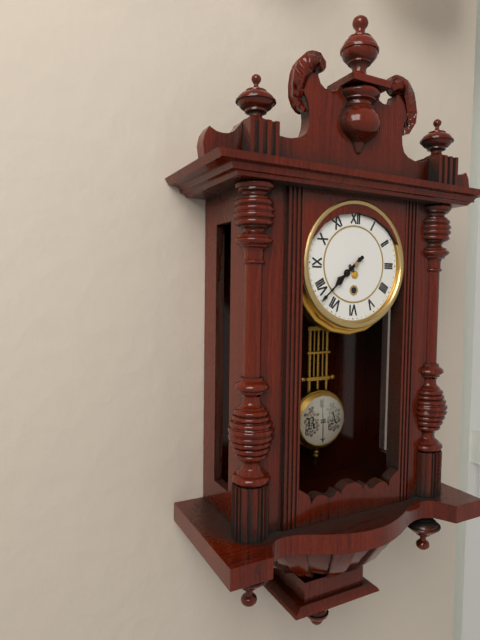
7:38
